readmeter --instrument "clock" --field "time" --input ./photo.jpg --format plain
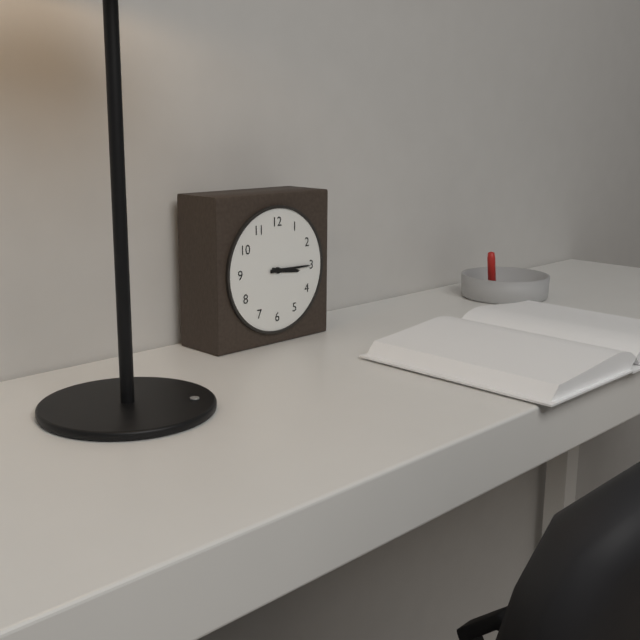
3:15
